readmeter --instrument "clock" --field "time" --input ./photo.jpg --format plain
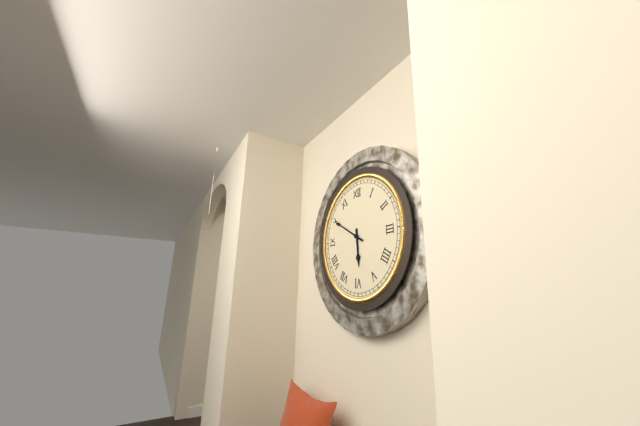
5:50
